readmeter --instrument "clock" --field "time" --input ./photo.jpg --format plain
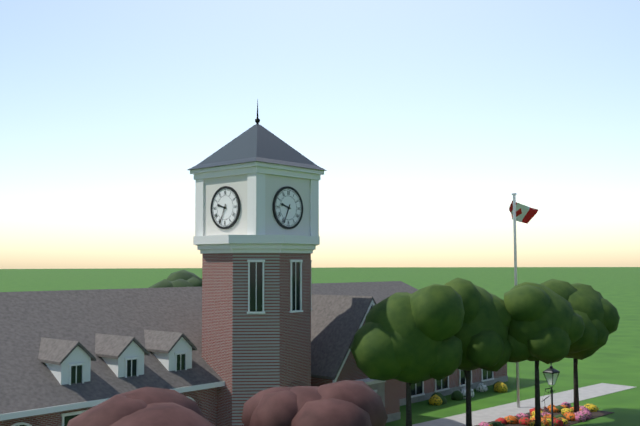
9:34
